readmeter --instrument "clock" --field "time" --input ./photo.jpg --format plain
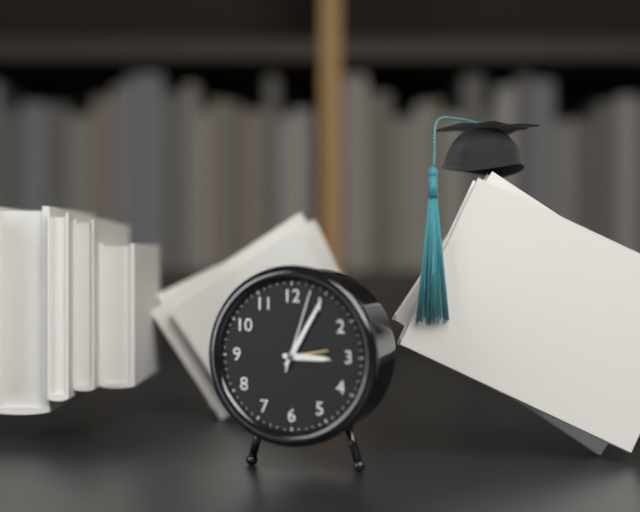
3:05:03
